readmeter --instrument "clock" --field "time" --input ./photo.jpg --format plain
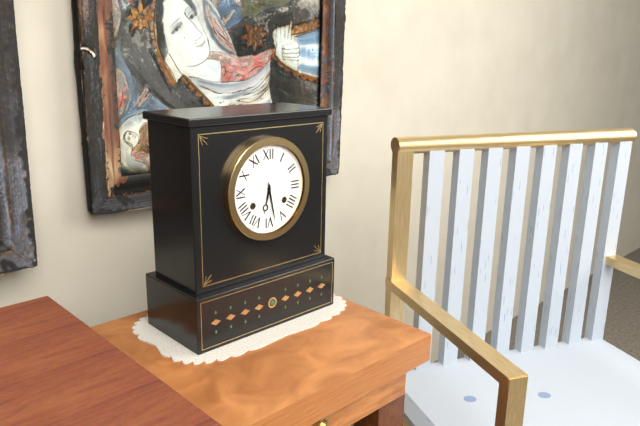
6:28
